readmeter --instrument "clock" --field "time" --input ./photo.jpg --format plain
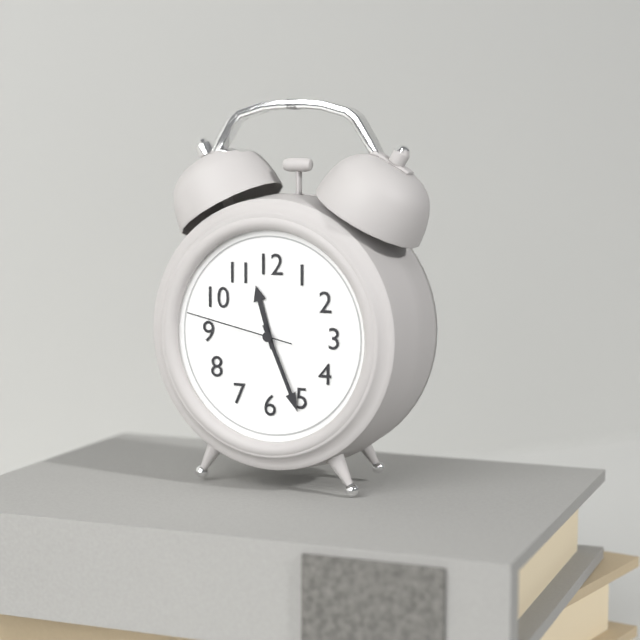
11:26:47
